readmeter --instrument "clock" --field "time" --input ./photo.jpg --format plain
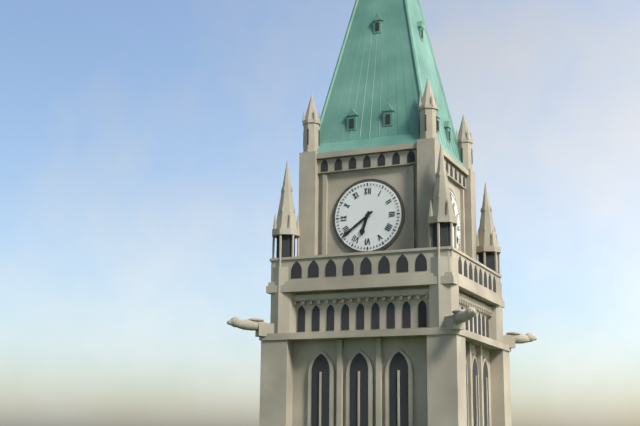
6:39
